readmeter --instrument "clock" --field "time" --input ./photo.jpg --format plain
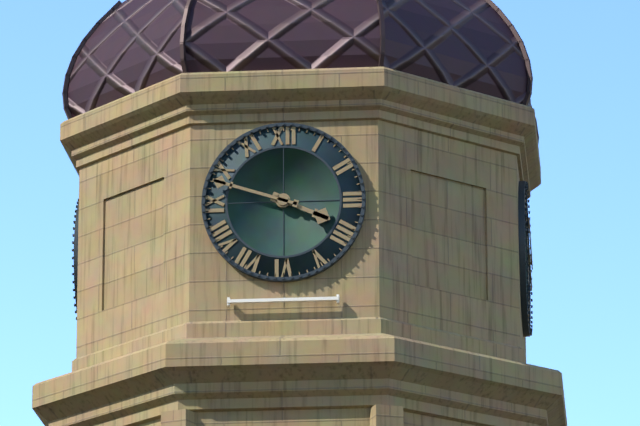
3:48
